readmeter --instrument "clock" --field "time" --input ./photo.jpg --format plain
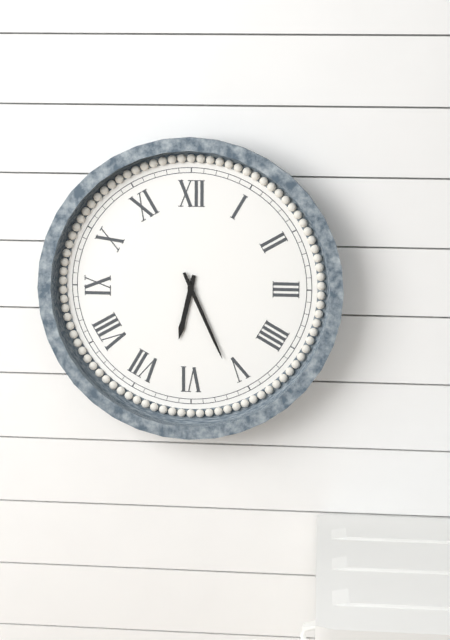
6:26
